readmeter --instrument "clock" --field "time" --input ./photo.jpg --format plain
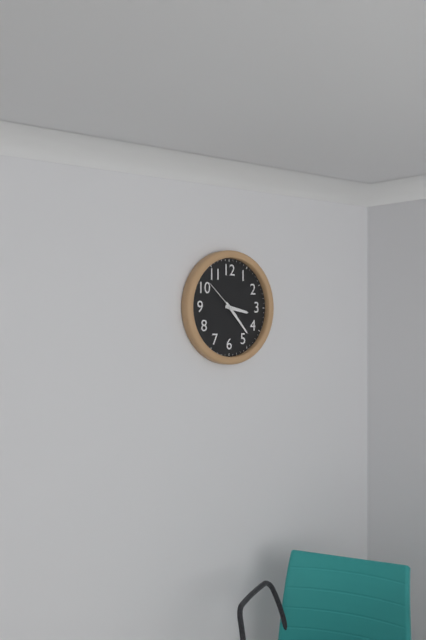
3:23
